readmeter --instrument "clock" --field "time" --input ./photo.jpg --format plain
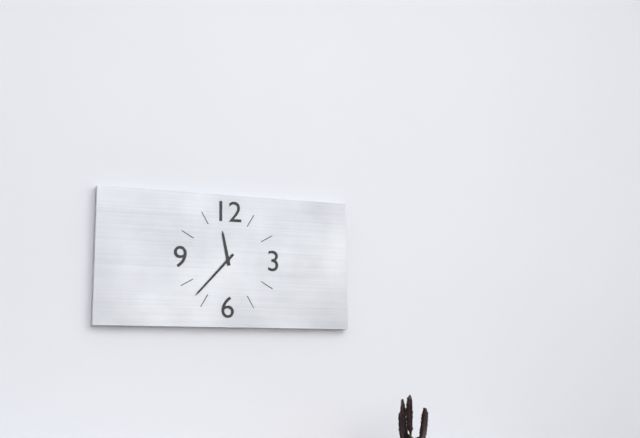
11:37
